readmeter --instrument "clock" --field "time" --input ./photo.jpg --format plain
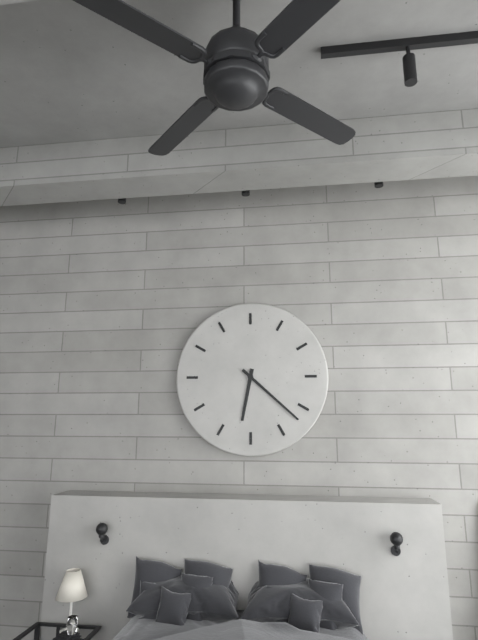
6:22
